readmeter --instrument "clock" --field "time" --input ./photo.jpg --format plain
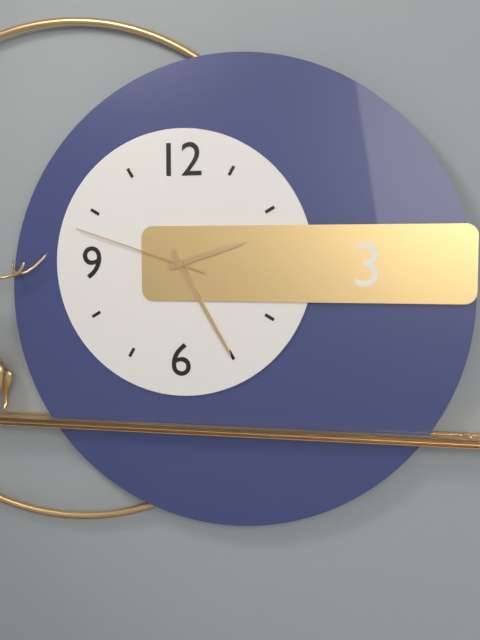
2:25:48
